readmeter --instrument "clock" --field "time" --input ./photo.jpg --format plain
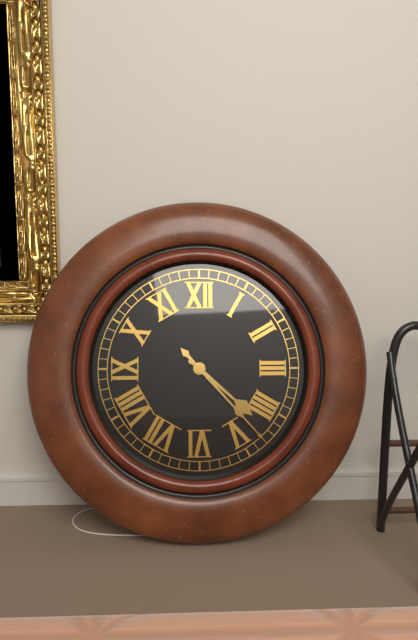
4:23
